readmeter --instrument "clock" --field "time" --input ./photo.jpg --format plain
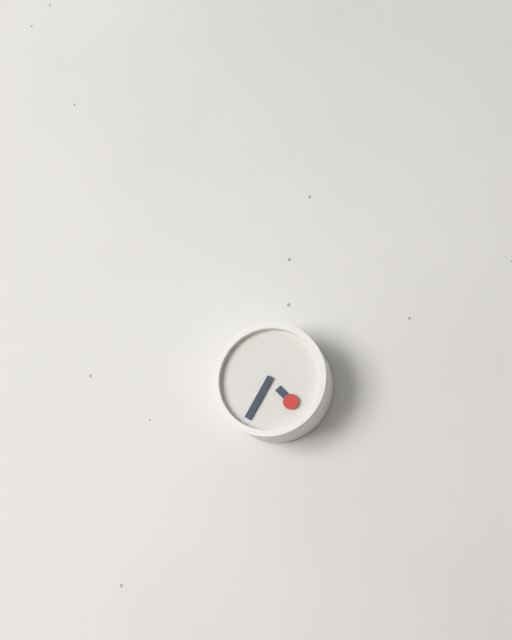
4:35
